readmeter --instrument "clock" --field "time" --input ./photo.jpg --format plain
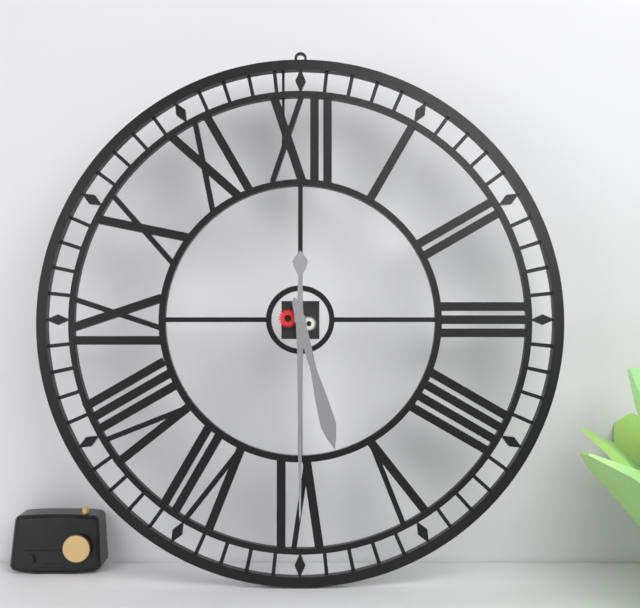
5:30
